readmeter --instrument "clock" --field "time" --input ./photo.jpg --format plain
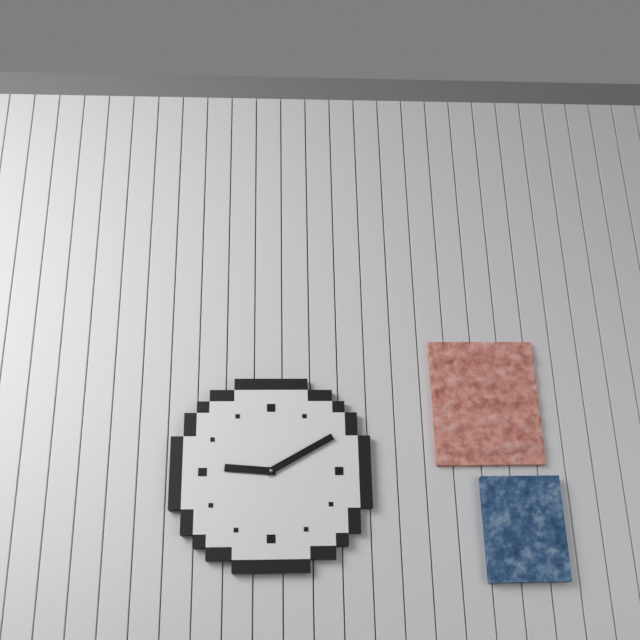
9:10
